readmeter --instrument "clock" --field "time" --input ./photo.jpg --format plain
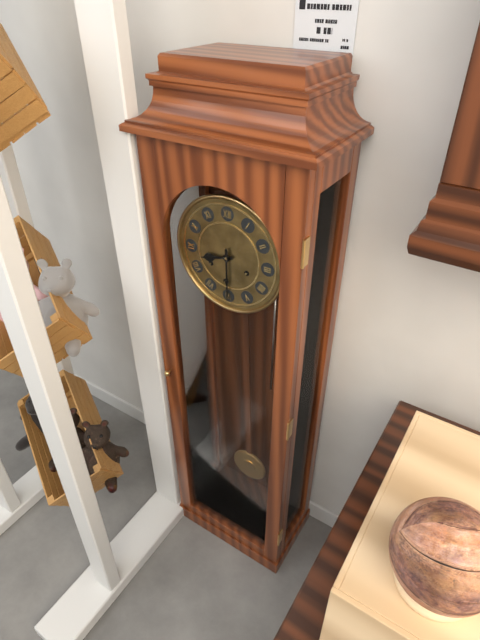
8:30
